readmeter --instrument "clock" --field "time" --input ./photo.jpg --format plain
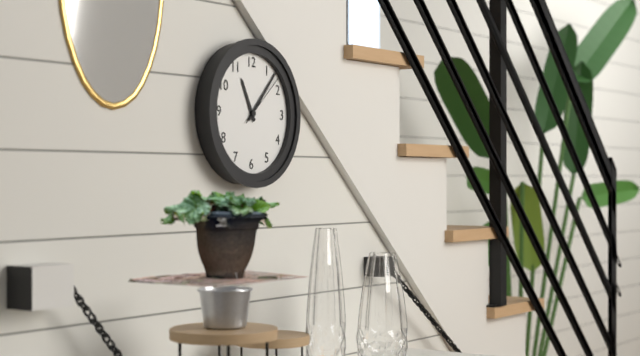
11:07:08
